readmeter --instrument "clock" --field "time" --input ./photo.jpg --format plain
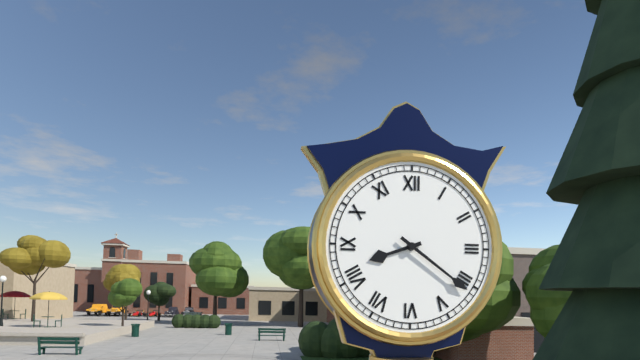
8:21
